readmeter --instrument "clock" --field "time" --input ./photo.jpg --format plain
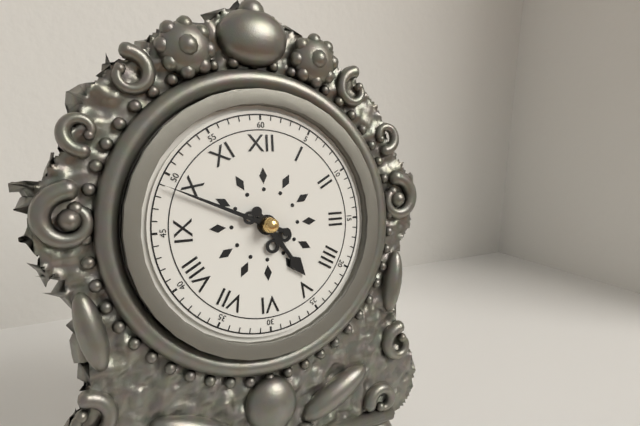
4:49
